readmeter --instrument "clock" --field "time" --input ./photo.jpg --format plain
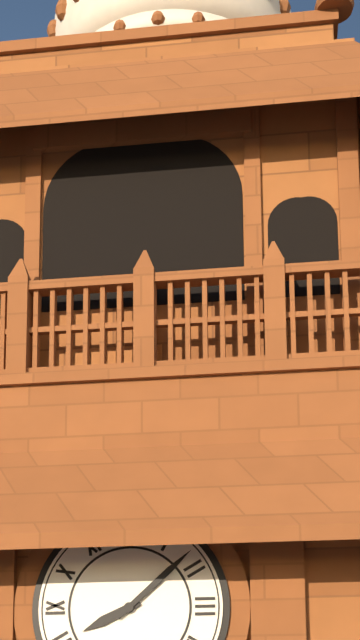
8:08
